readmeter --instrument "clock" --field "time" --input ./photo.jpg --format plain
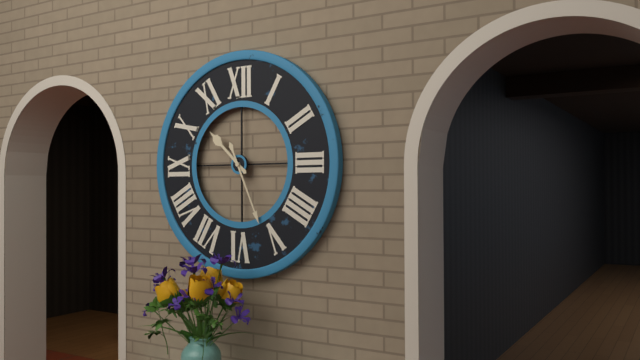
10:26
